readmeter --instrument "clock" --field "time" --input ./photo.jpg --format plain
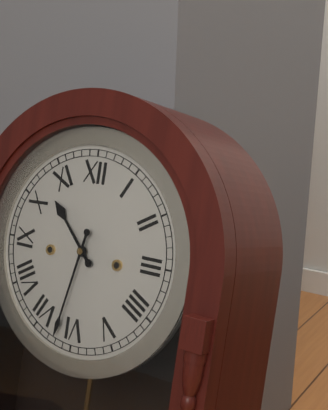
10:32
